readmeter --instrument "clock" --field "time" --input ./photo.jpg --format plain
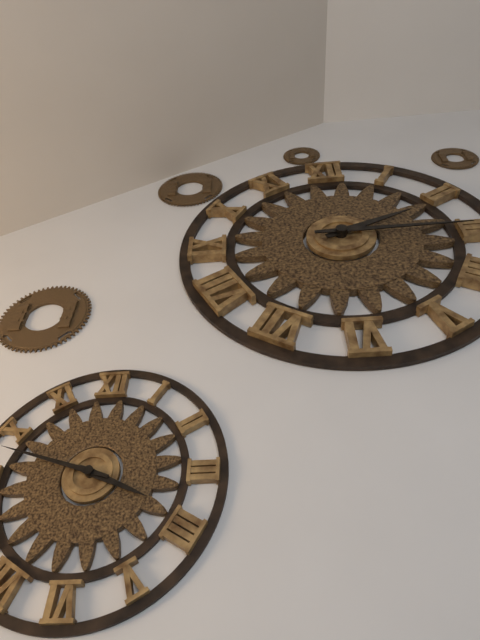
2:15
